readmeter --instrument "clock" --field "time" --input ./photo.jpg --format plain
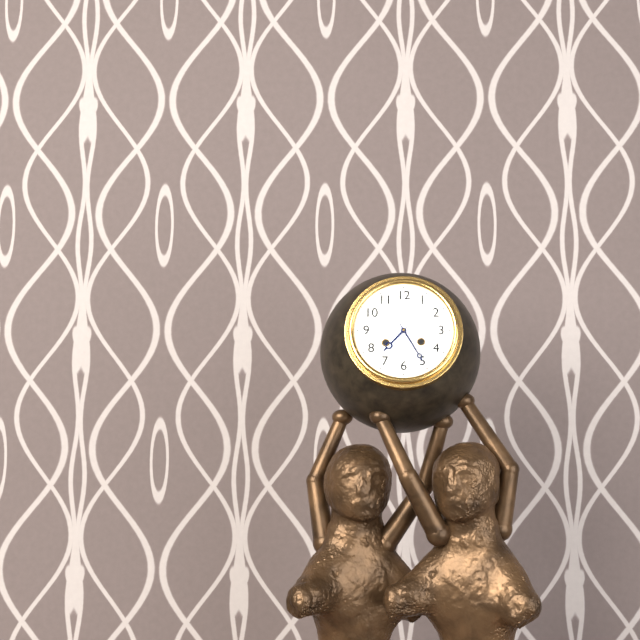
7:25
